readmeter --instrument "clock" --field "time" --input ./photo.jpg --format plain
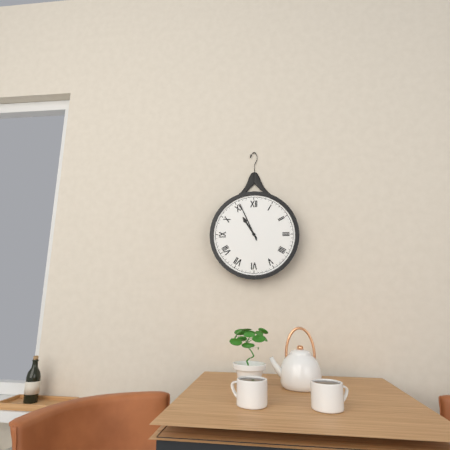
10:56
